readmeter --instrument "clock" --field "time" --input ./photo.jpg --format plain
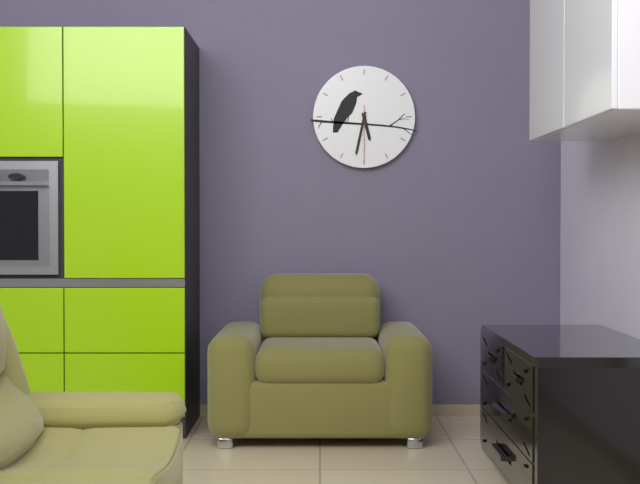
5:32:30
